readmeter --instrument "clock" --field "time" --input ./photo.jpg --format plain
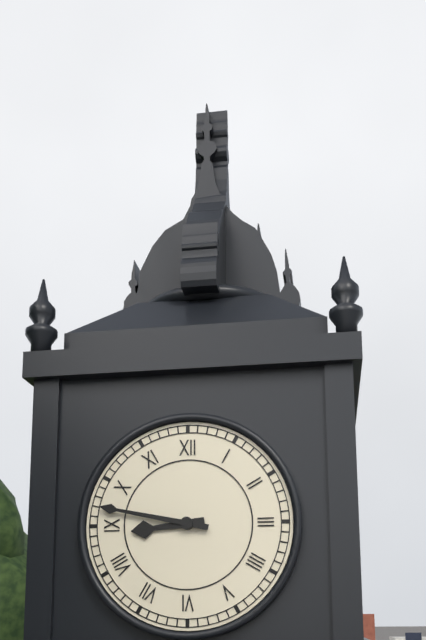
8:47
